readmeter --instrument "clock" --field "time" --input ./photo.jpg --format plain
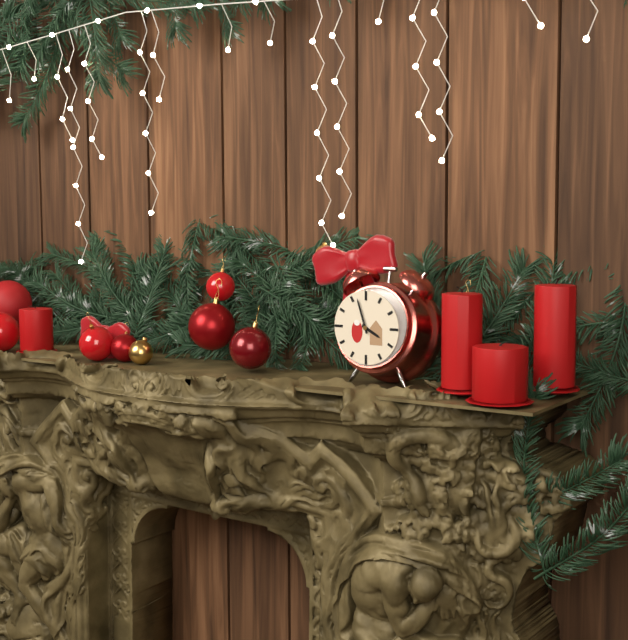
3:57
